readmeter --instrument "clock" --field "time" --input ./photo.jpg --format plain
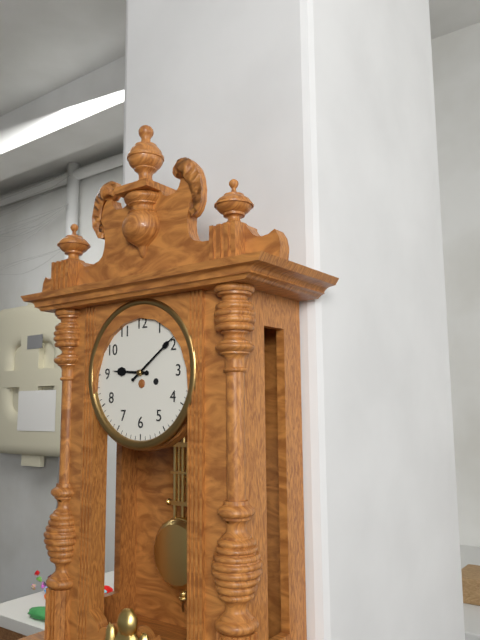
9:09
